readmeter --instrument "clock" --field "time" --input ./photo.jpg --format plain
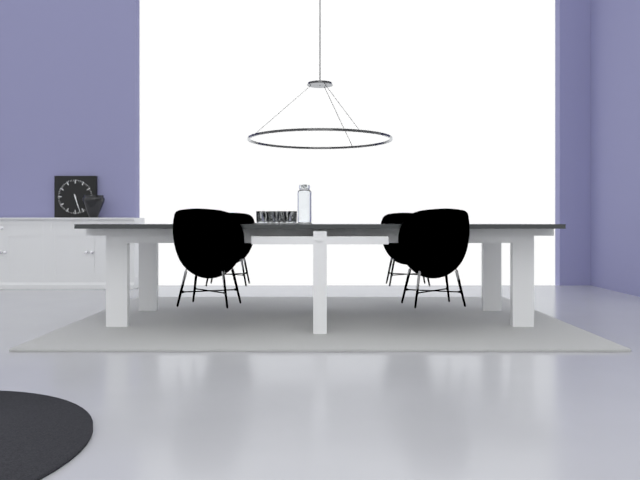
5:27
